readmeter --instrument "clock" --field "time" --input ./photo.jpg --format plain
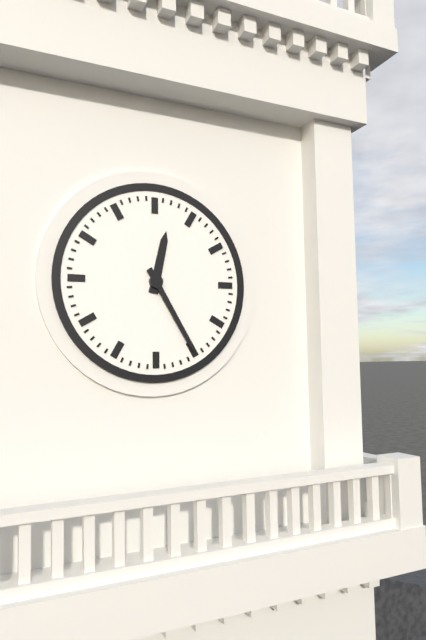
12:25
